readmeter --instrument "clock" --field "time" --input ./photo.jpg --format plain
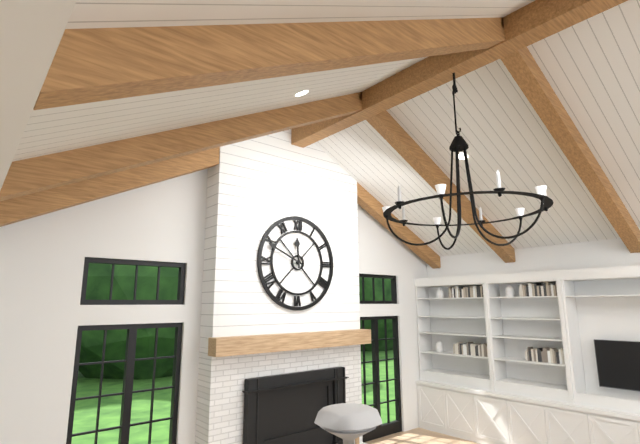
11:49
